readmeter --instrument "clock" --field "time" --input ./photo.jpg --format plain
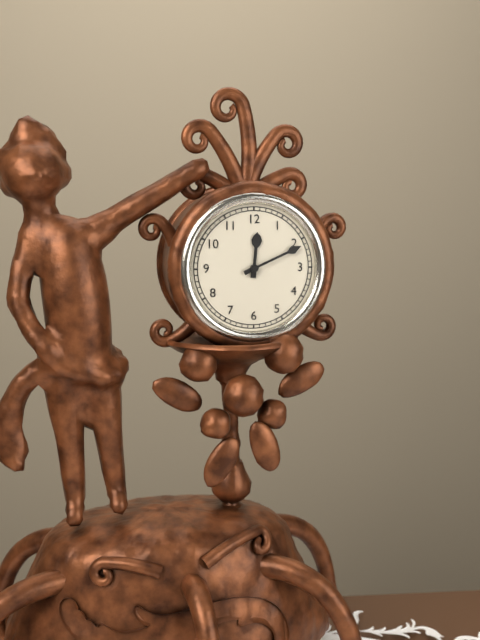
12:11
